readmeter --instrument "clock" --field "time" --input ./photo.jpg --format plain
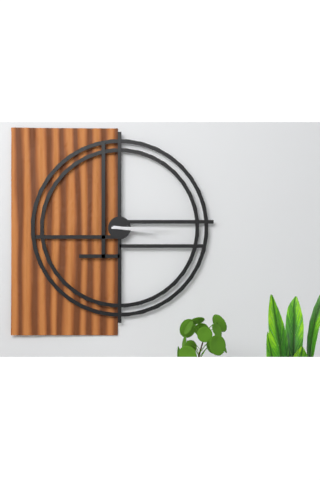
3:15
